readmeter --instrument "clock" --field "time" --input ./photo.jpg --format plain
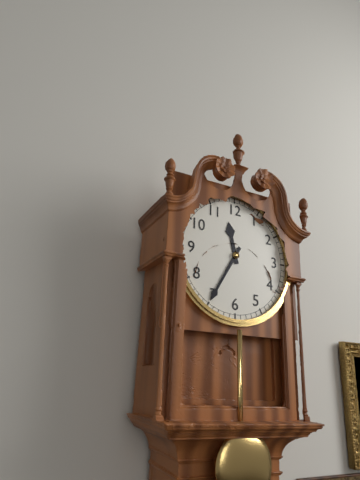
11:35
